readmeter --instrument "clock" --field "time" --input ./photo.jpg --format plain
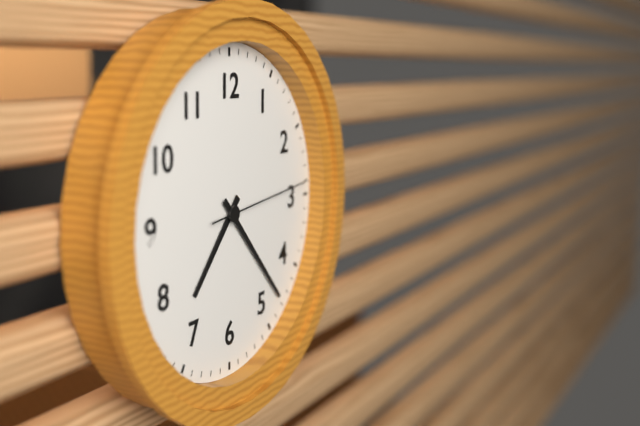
7:23:14
